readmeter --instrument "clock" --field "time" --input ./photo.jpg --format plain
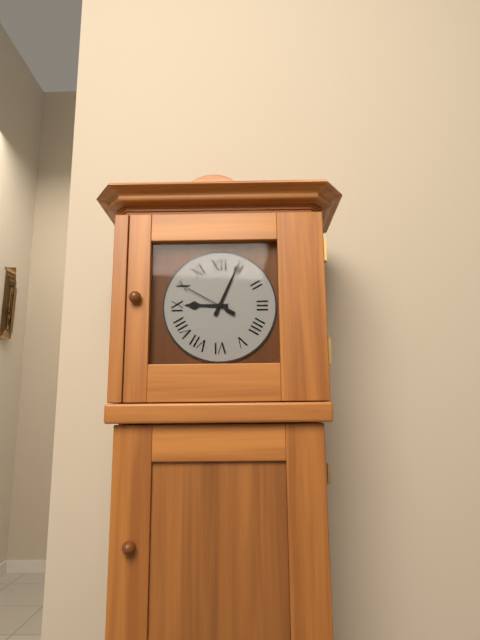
9:04:50
